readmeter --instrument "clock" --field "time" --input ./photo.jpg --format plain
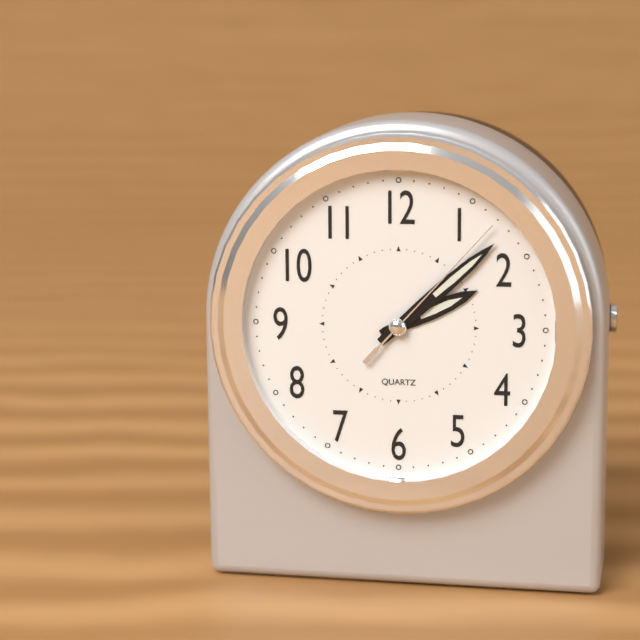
2:08:07
